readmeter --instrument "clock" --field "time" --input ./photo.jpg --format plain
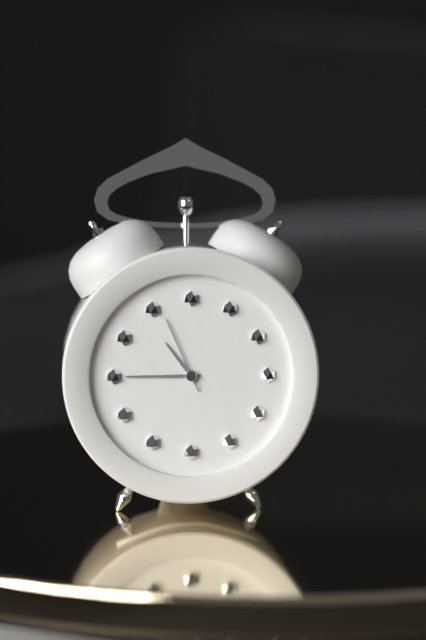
10:45:56
